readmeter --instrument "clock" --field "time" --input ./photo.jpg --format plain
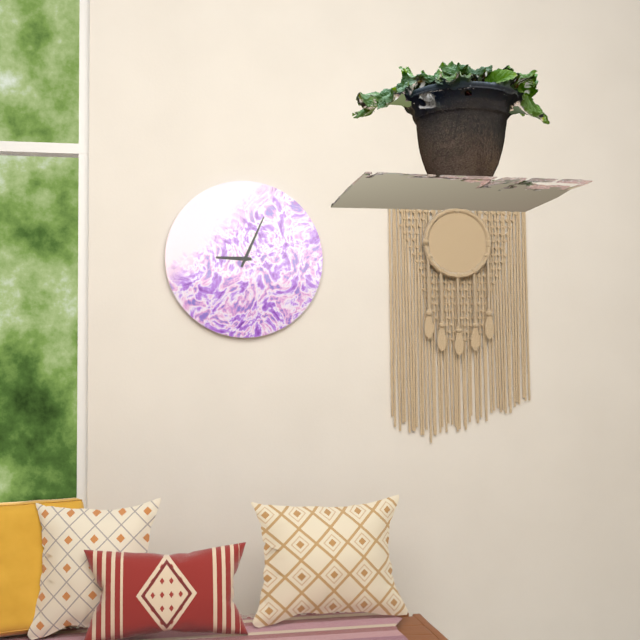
9:04
